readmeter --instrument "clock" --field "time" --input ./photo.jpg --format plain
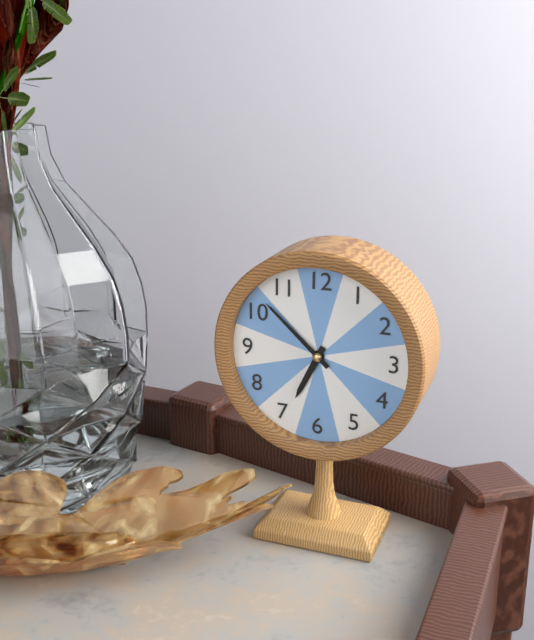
6:52
